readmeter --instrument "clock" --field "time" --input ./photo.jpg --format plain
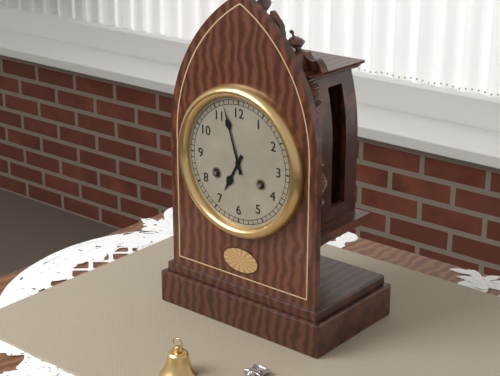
6:57
